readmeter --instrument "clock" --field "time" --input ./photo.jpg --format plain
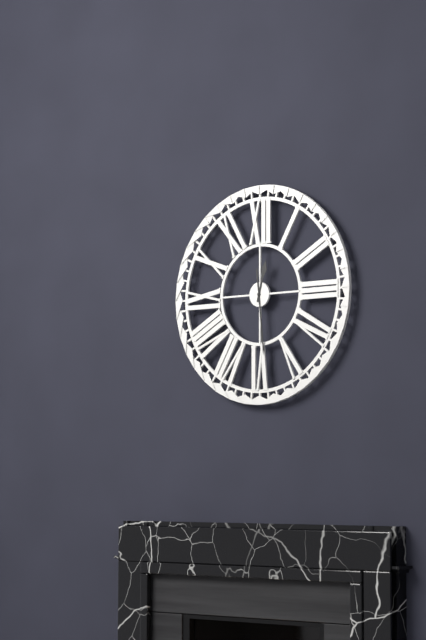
12:29
